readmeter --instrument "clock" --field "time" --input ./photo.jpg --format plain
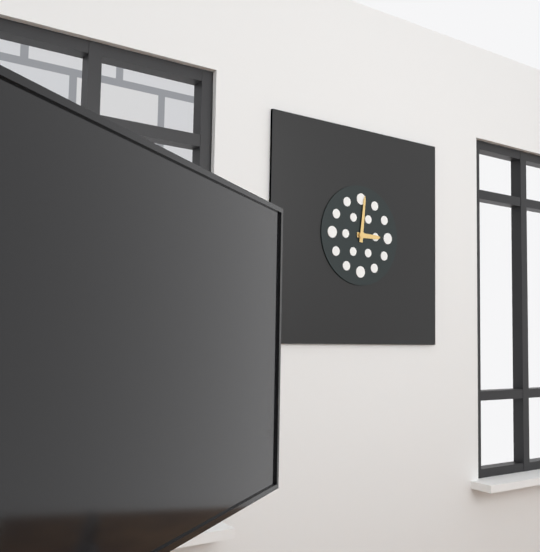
3:01
